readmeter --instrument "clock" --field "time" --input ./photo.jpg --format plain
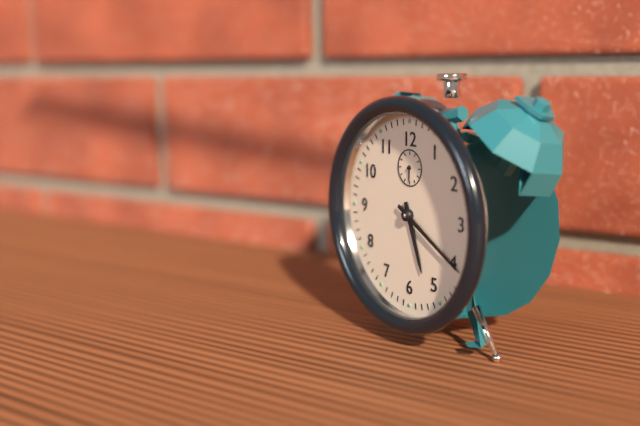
5:20
